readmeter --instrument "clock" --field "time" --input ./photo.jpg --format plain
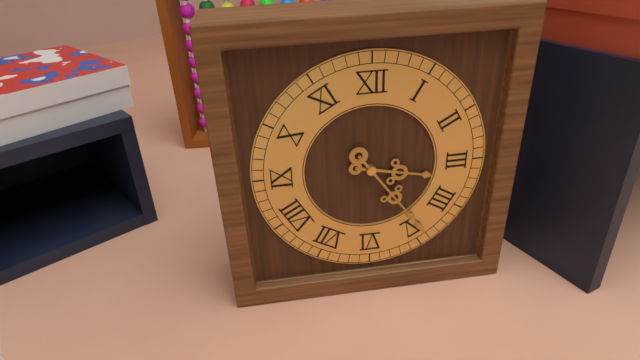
3:24
